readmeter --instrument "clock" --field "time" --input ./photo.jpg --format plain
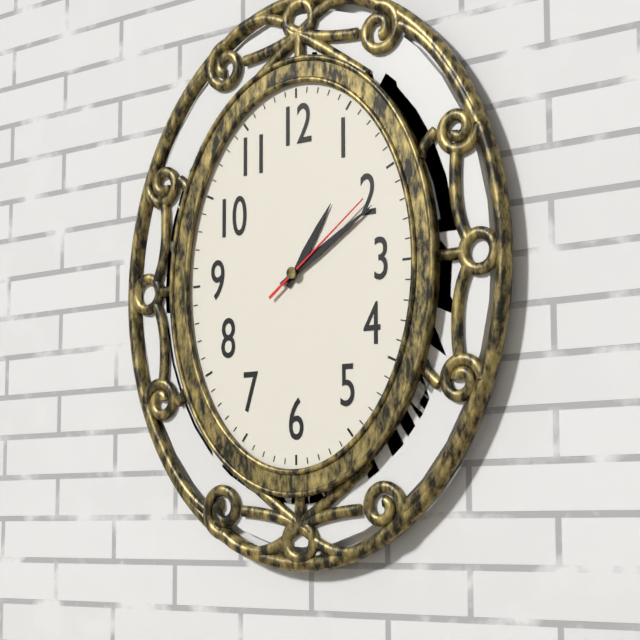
1:10:09
